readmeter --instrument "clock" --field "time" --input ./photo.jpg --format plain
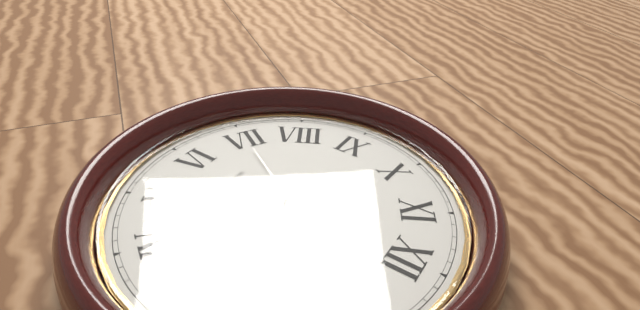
2:04:35
